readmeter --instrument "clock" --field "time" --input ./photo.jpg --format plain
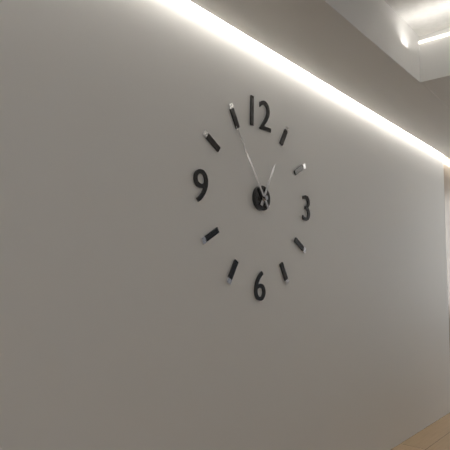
12:54
